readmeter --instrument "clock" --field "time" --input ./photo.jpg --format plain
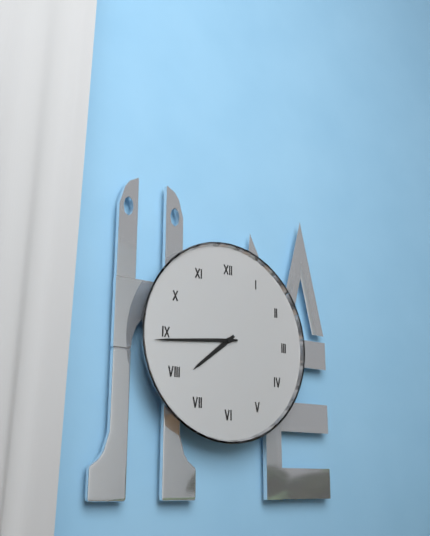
7:44
